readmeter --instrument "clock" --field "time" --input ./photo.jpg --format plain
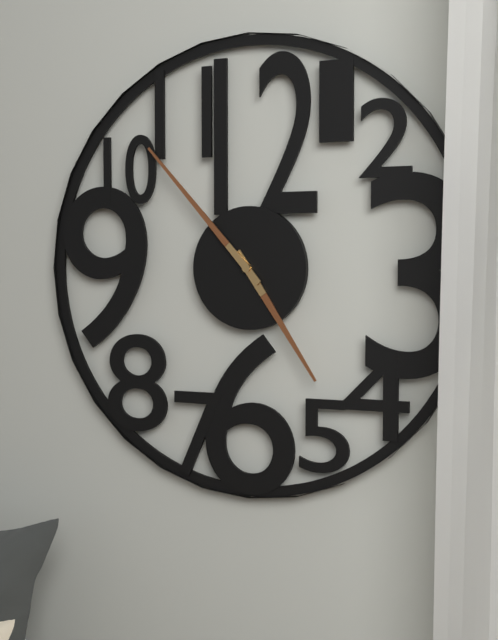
4:53
